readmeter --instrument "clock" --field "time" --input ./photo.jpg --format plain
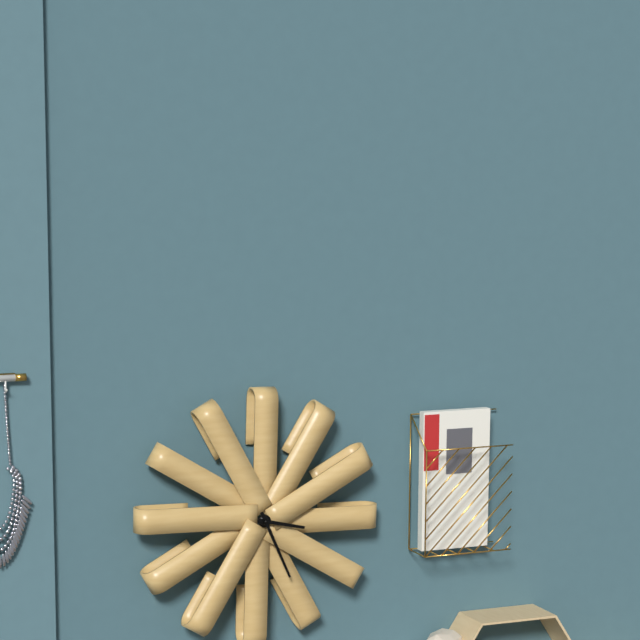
3:26
